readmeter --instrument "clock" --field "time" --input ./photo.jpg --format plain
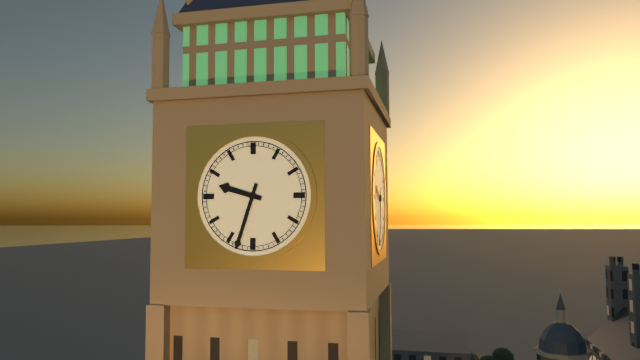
9:33
